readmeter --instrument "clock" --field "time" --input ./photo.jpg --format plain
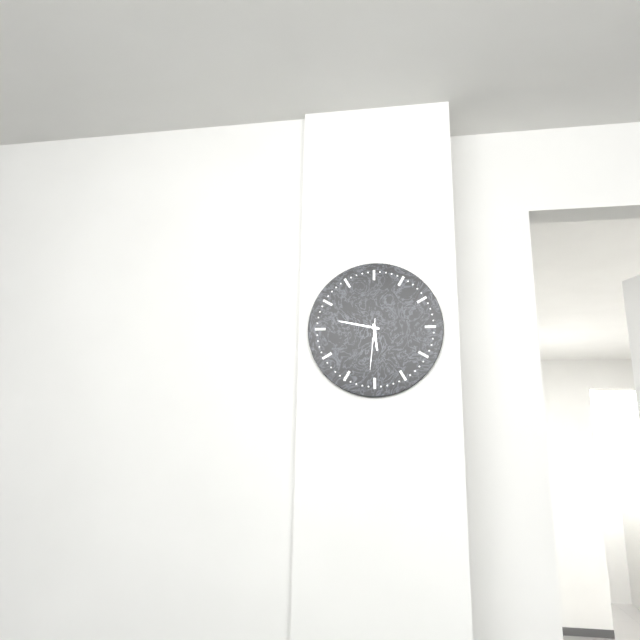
5:47:31
